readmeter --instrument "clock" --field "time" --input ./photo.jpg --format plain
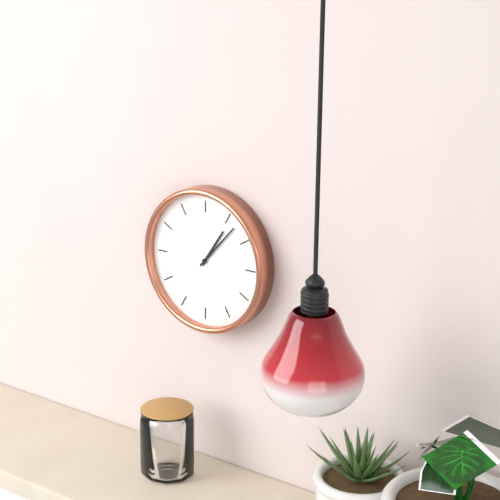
1:07
